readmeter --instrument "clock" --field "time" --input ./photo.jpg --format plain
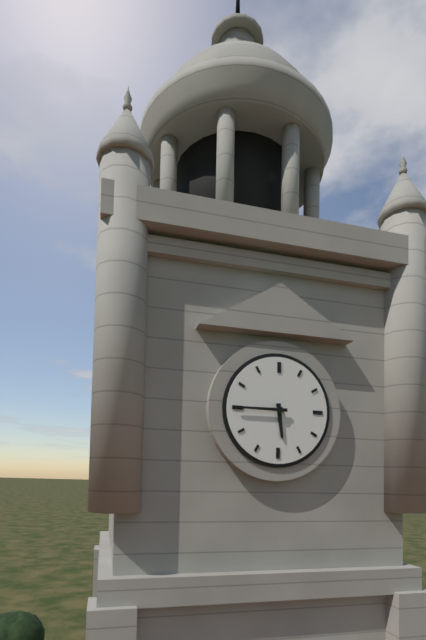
5:45
